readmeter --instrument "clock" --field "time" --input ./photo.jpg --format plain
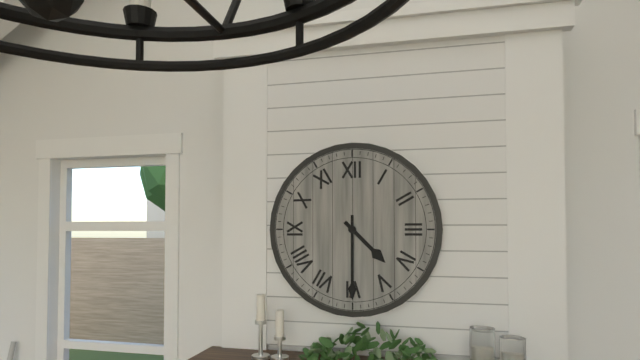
4:30
